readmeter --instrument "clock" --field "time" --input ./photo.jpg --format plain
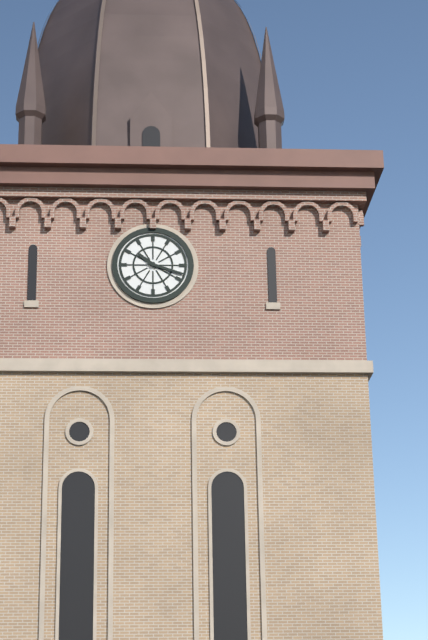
10:18
